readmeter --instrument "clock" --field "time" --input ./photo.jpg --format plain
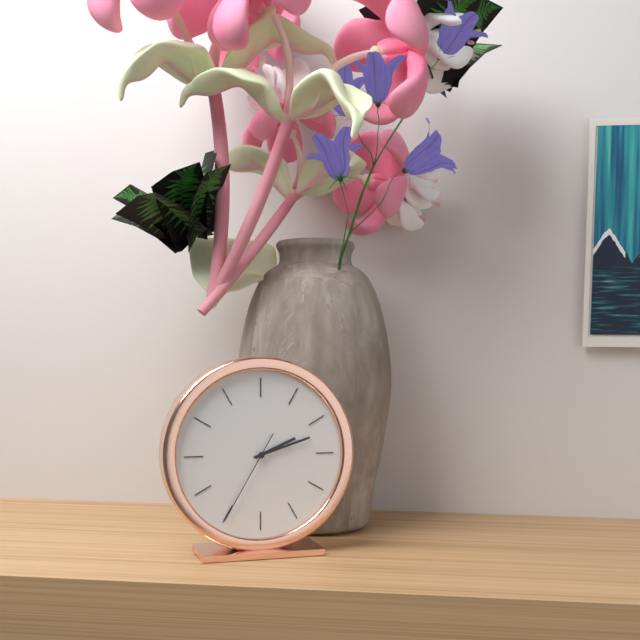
2:12:35
